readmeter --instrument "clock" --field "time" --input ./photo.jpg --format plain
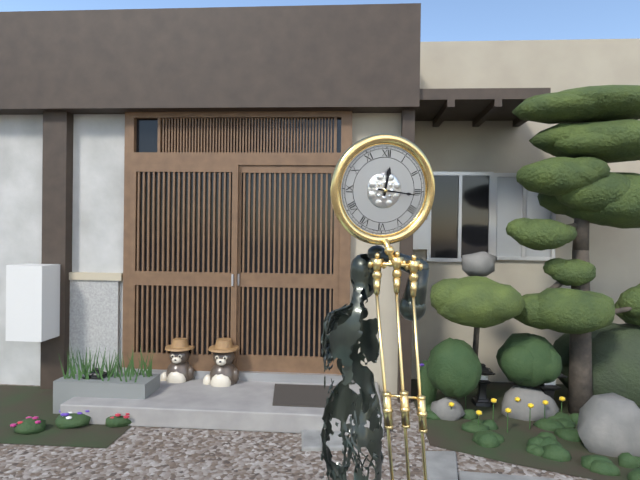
12:16
